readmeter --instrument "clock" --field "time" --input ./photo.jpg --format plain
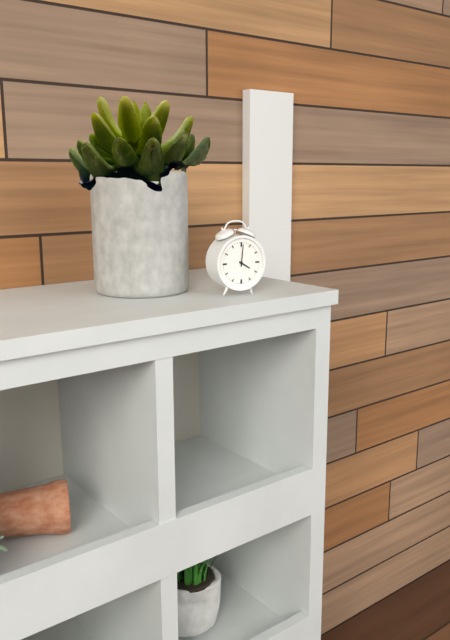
4:01
